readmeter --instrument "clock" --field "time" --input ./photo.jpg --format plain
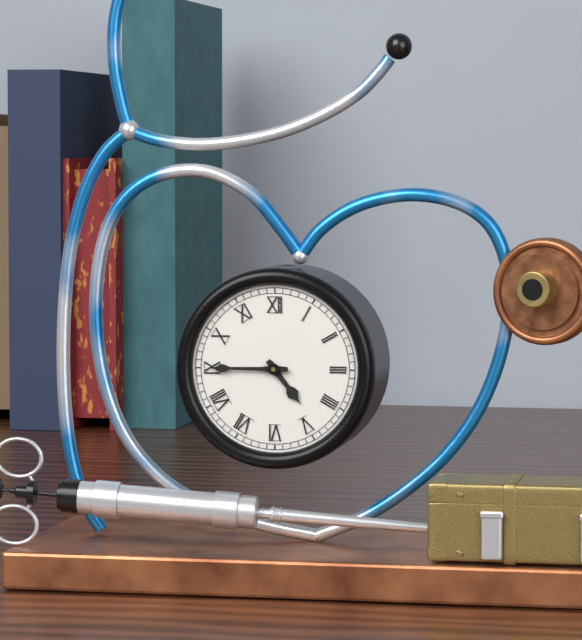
4:45
